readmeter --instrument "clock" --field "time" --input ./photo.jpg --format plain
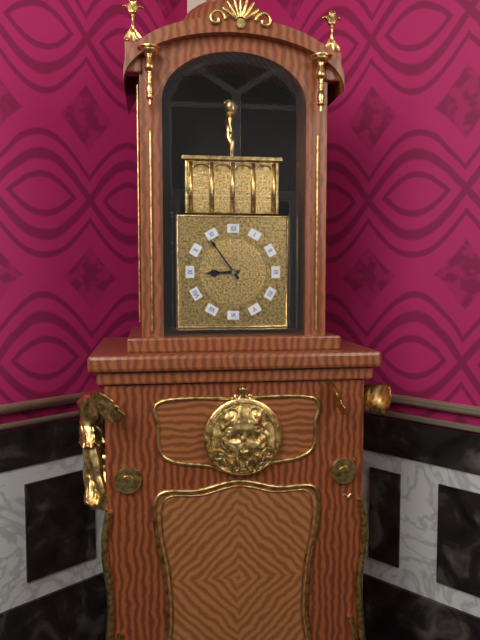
8:54
